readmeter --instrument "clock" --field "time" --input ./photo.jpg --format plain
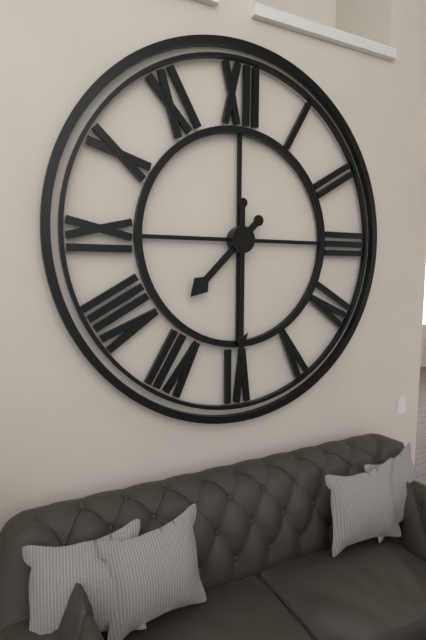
7:30
